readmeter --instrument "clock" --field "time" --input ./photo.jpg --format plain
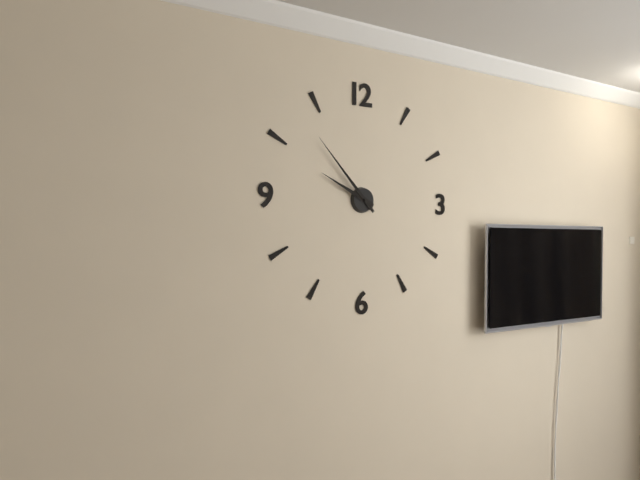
9:53
